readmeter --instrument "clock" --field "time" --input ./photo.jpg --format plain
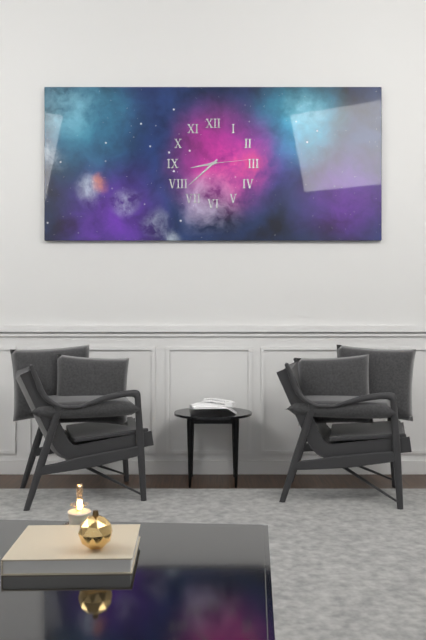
8:38
